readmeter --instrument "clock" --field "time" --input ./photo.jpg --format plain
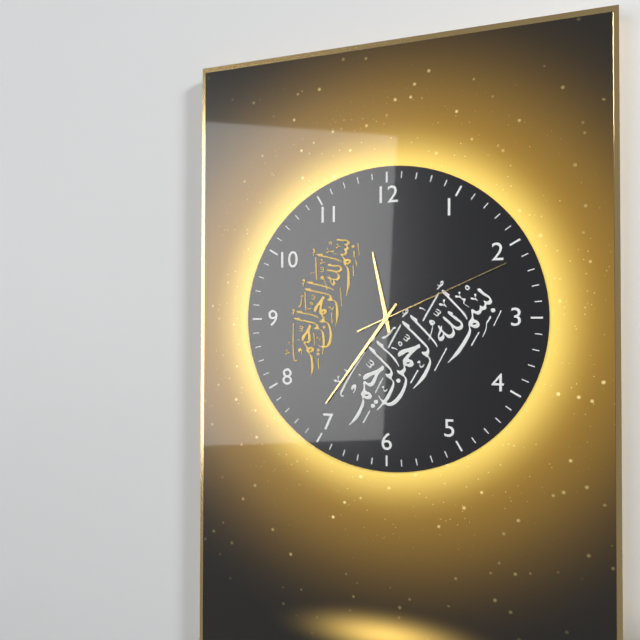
11:36:11
